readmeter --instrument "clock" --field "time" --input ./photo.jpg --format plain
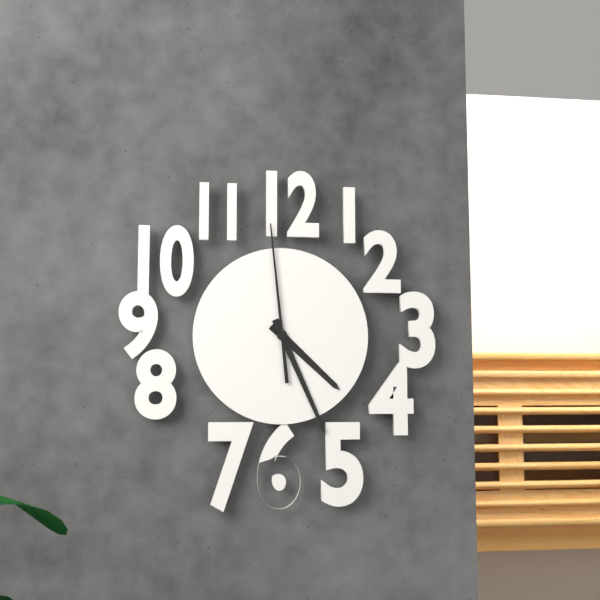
4:26:59
